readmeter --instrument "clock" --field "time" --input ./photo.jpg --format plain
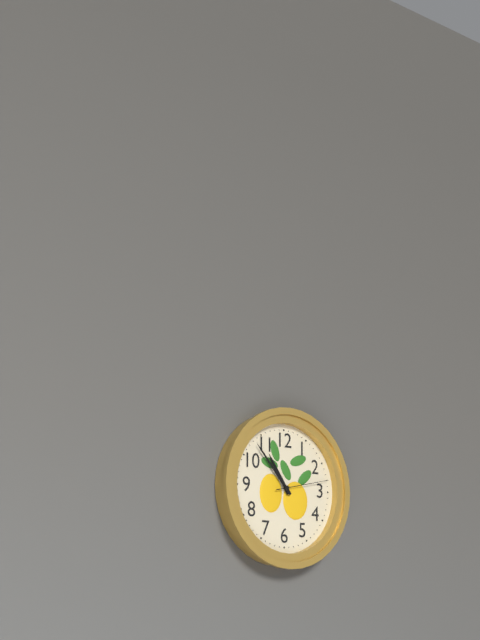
10:53:13
